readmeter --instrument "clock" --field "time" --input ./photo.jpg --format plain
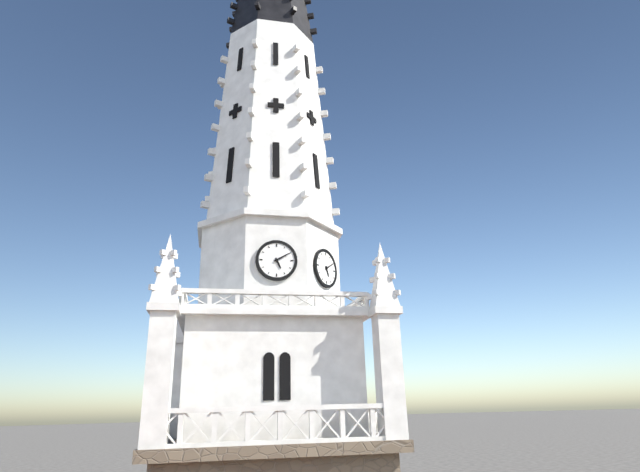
5:10
